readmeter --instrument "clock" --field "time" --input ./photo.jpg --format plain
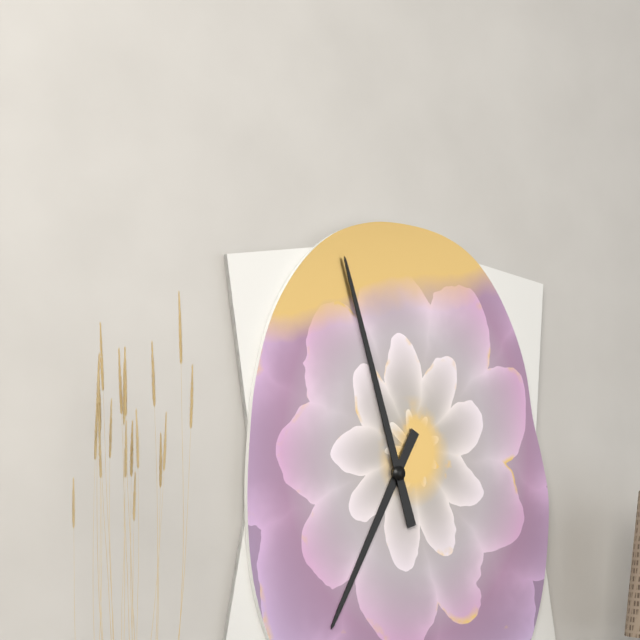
6:57
